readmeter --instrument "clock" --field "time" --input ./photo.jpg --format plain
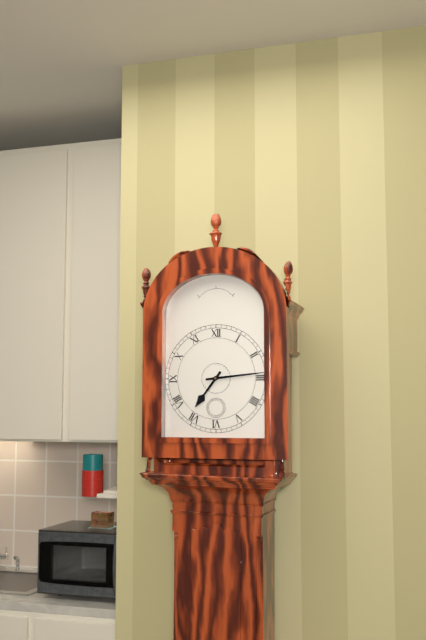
7:14
